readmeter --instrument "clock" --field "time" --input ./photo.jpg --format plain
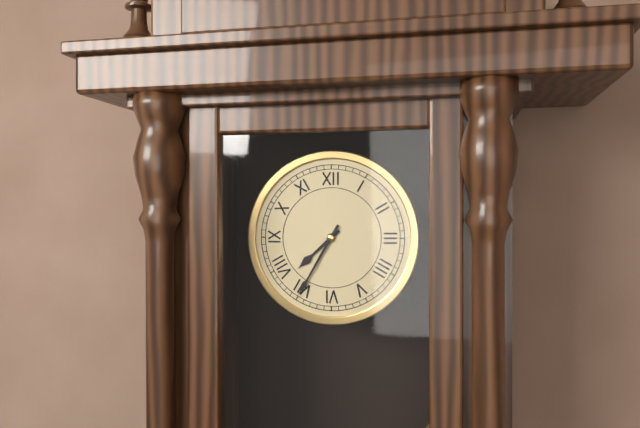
7:35
